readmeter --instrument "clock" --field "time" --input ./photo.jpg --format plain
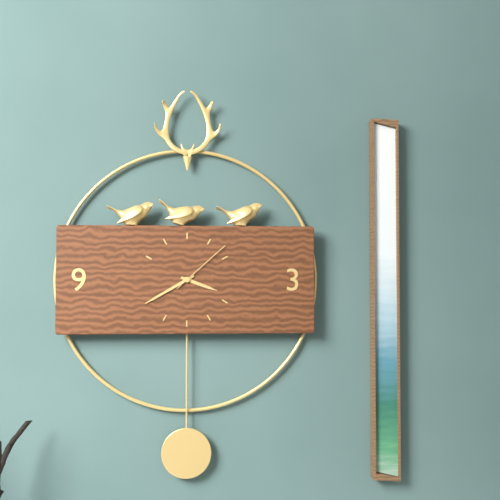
3:40:08
